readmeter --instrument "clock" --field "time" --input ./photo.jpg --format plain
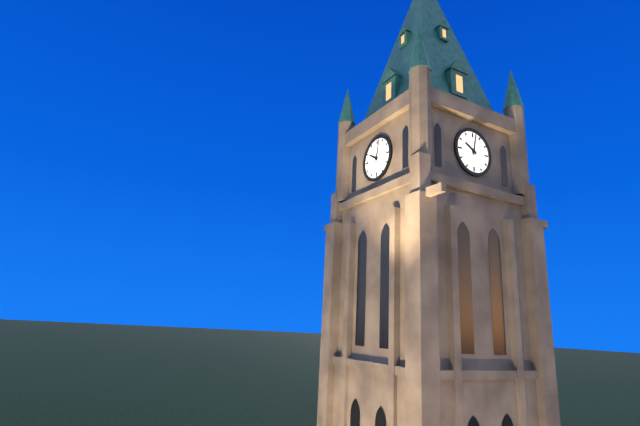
10:02
